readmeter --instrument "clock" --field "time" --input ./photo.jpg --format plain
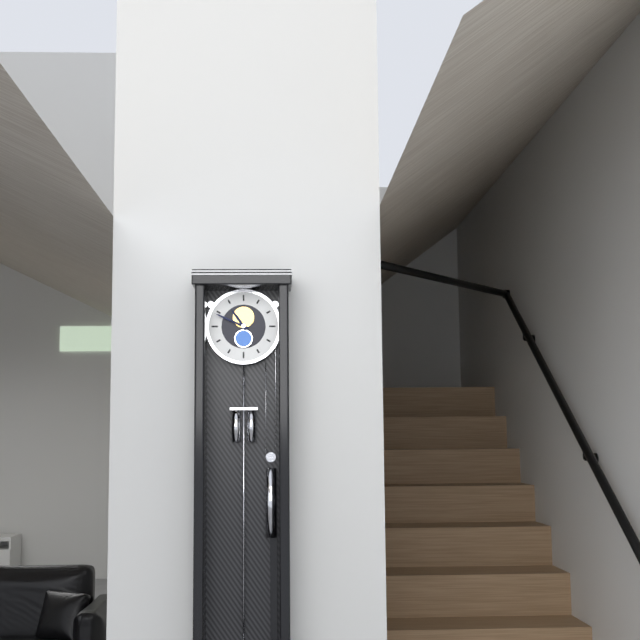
10:49
